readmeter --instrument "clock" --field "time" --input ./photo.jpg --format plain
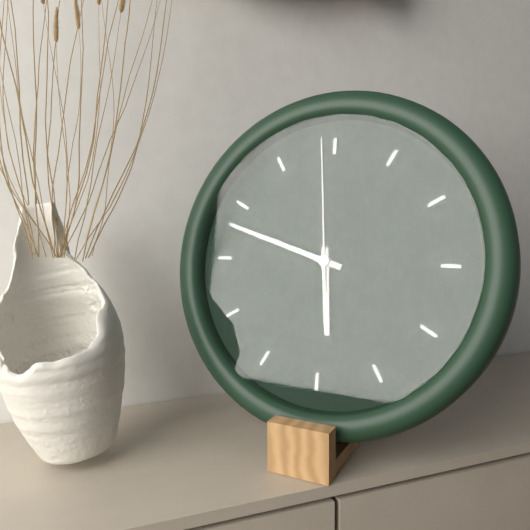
5:48:59
